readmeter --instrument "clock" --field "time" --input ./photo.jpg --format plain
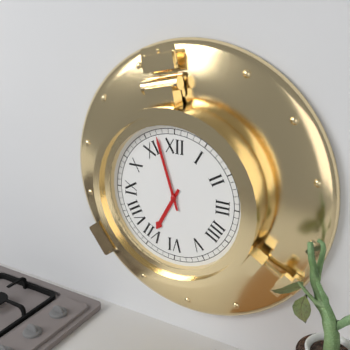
6:57
